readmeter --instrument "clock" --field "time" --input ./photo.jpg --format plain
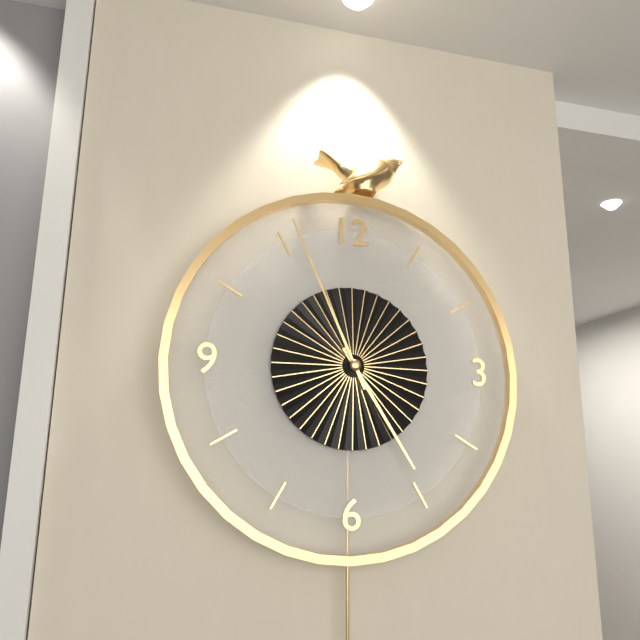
4:56
